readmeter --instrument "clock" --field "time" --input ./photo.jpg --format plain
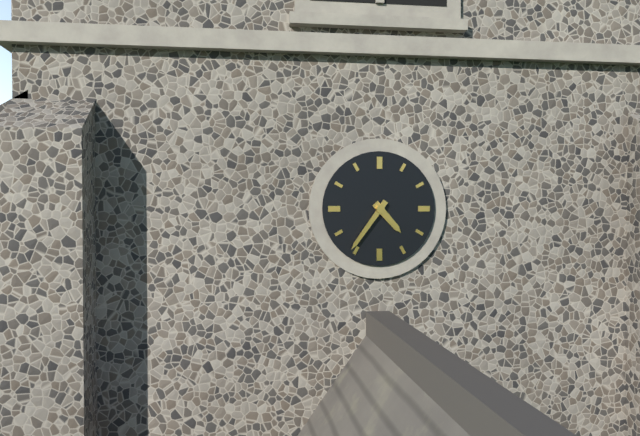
4:36
